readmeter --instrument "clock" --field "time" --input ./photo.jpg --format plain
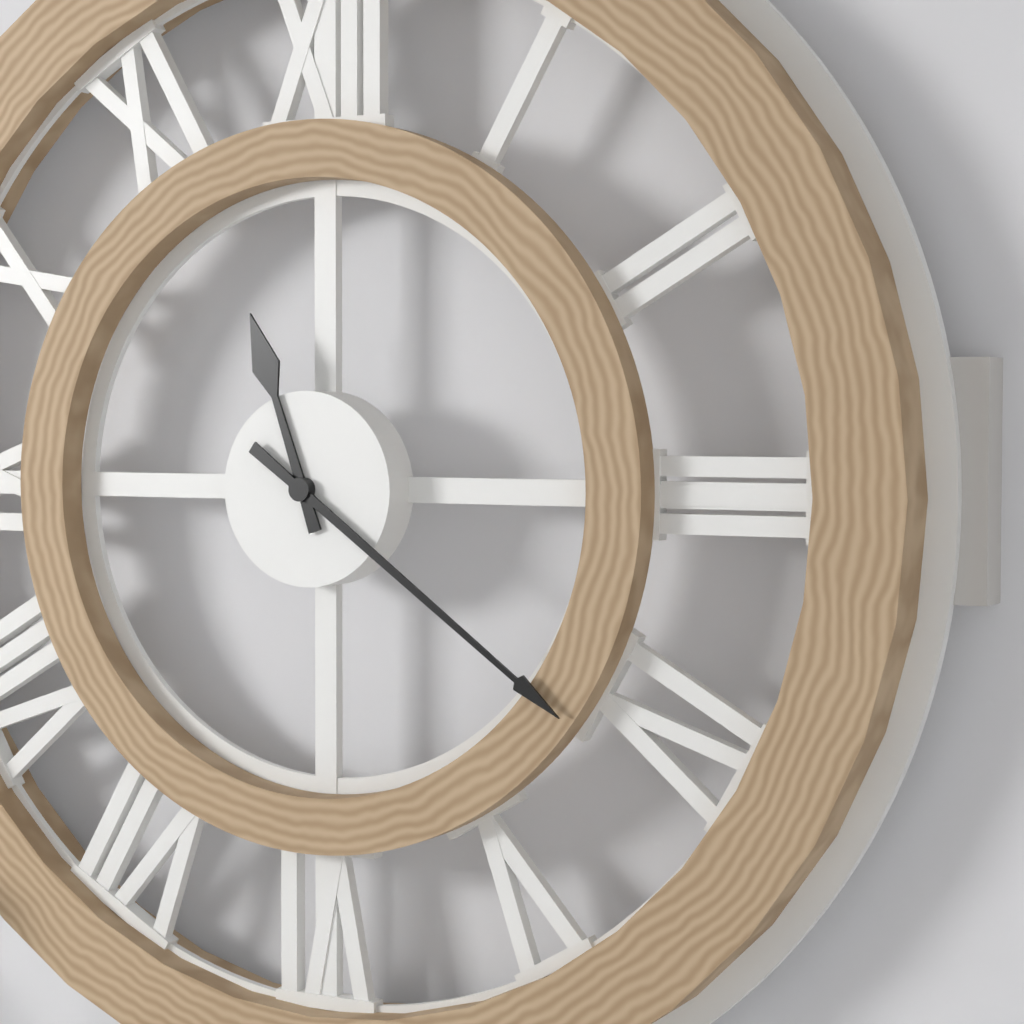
11:21
